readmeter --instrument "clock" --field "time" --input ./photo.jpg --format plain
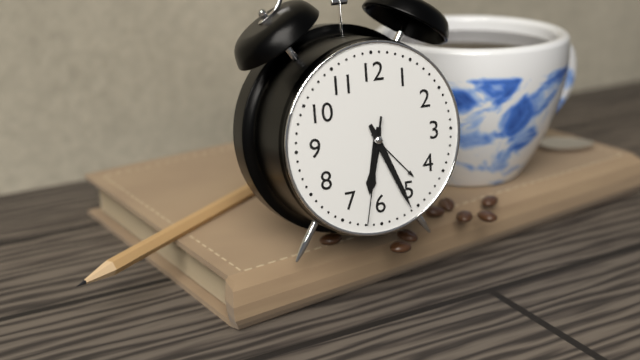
6:26:32
